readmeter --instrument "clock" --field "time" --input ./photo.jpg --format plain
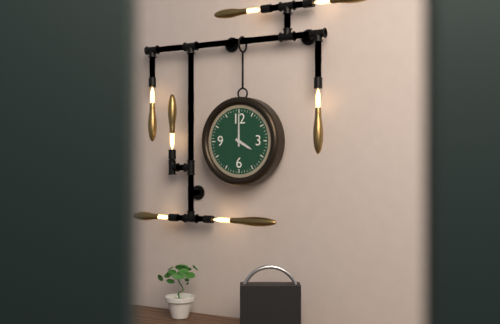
4:00
